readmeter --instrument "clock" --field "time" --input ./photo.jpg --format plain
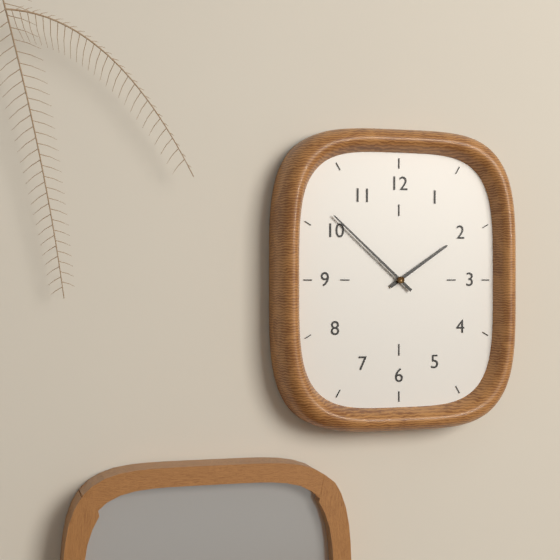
1:52
